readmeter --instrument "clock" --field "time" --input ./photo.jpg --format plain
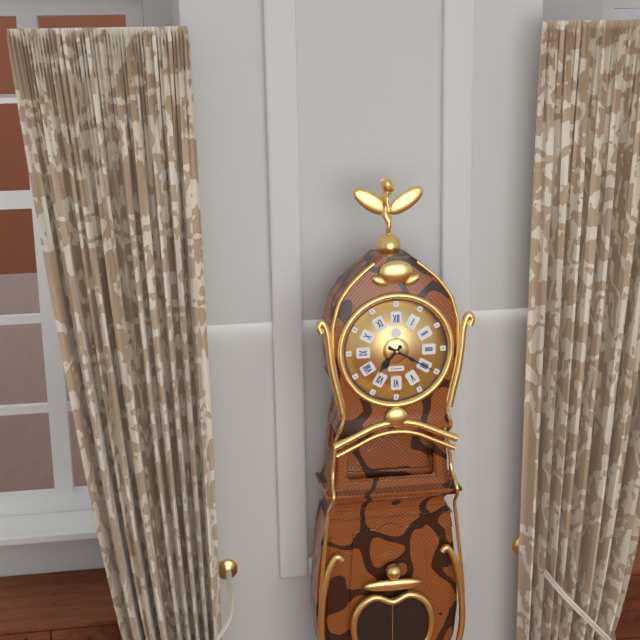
7:20
